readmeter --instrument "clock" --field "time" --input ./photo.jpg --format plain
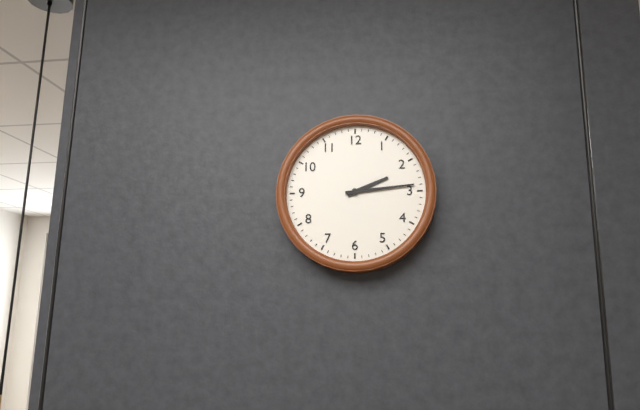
2:14
